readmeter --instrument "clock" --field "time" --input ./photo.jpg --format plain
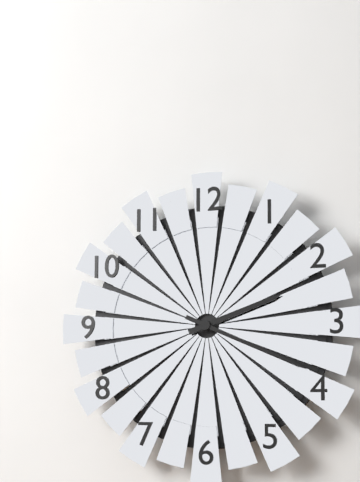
2:19
